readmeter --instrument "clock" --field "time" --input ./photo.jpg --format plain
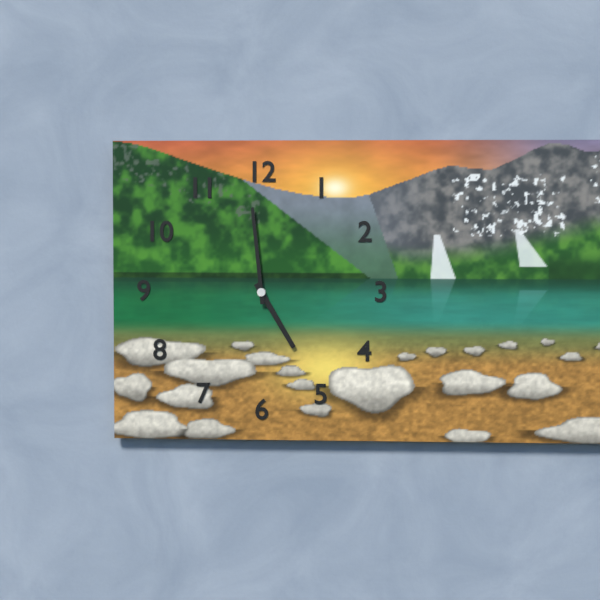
4:59
